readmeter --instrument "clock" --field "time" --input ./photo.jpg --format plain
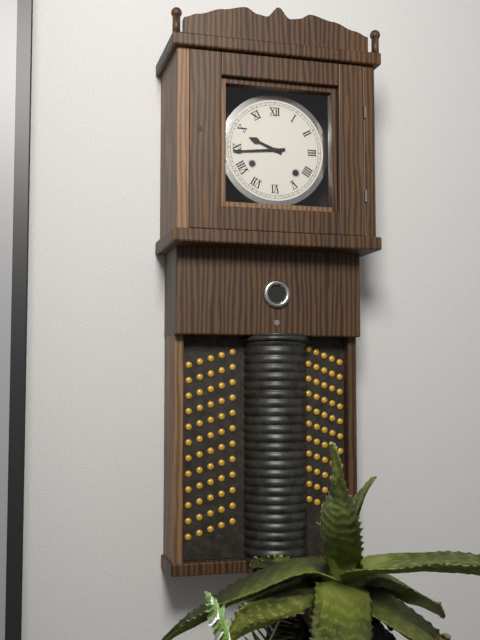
9:44
